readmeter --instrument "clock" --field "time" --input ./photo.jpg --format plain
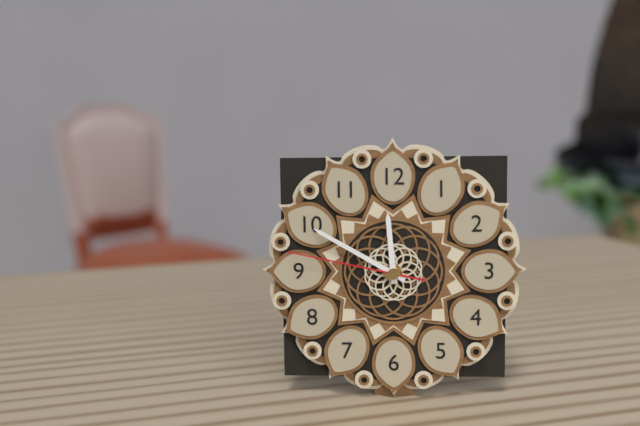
11:50:47
